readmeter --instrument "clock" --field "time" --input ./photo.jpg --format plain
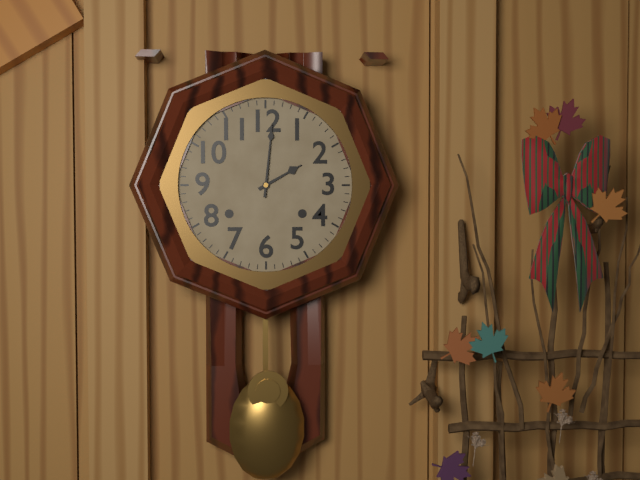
2:01
